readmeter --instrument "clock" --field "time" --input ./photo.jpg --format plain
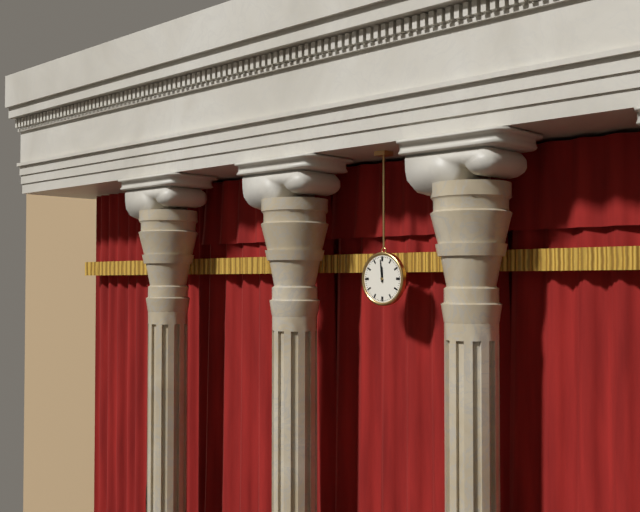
11:59
